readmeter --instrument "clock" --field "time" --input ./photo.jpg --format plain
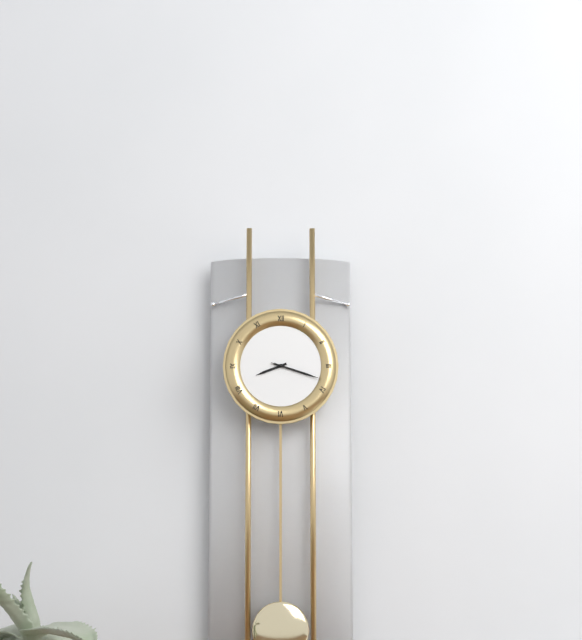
8:18:18
